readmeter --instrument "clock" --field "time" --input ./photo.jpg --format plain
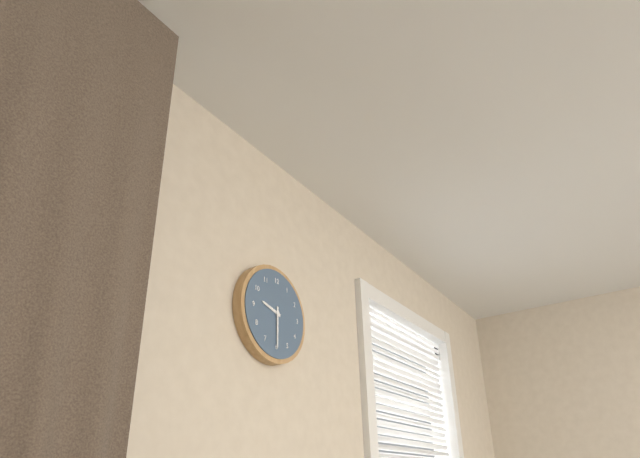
9:30
